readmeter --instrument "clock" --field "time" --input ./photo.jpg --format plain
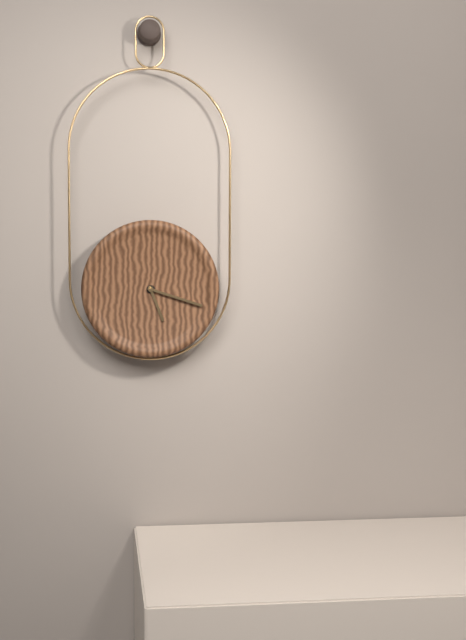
5:18
